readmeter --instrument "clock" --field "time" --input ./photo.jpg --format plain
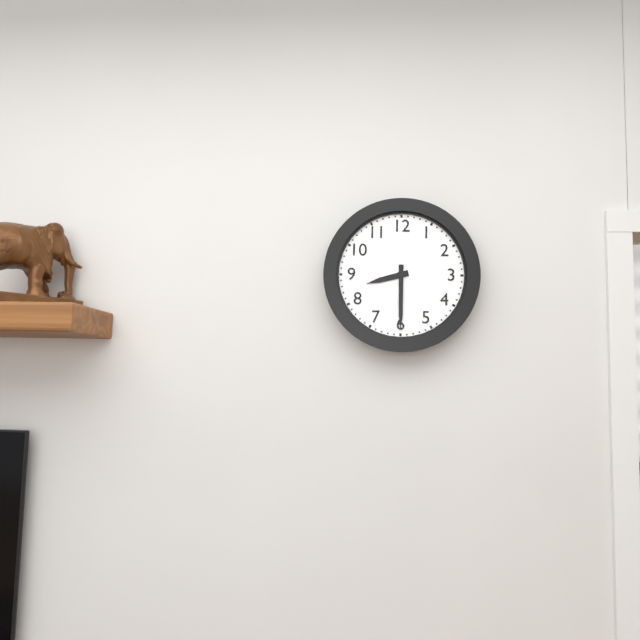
8:30
